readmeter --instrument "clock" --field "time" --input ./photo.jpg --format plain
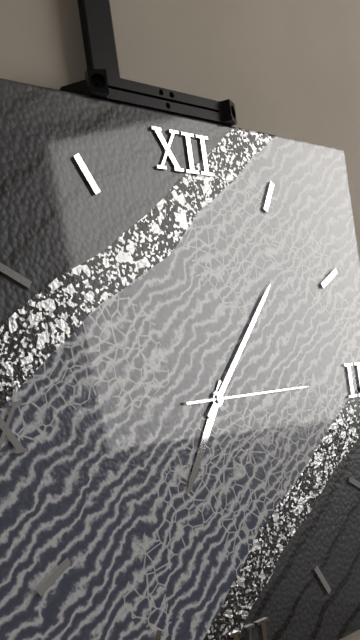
7:07:15
